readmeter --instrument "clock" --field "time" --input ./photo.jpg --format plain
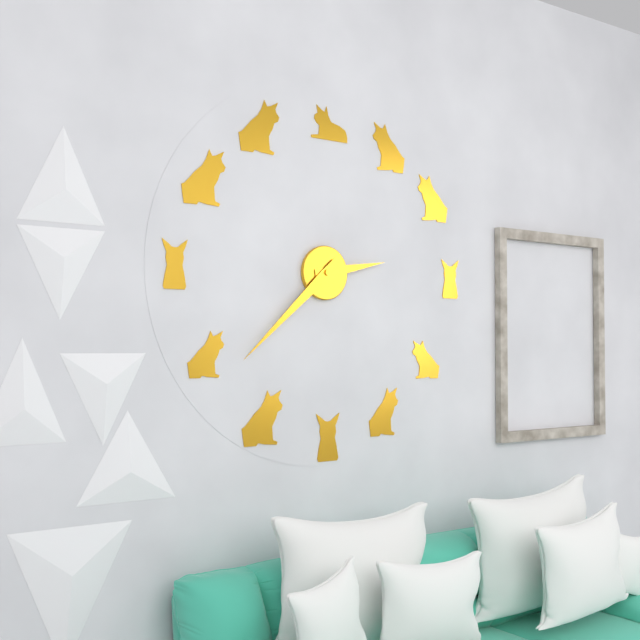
2:38
